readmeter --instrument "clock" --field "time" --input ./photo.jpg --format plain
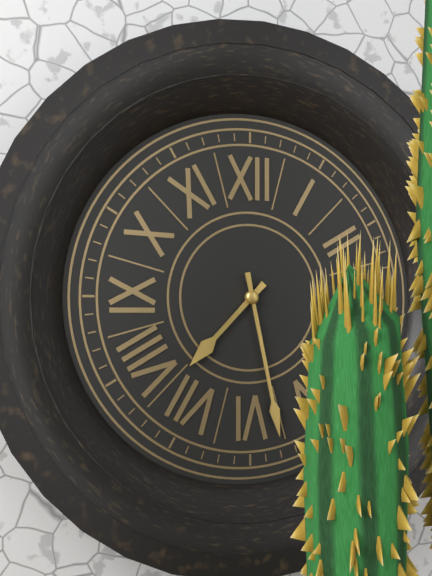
7:28
